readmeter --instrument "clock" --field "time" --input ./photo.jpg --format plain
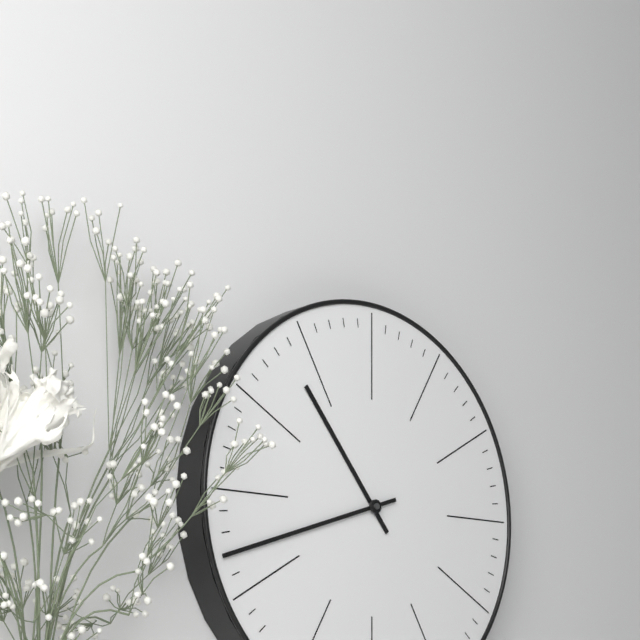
10:42
